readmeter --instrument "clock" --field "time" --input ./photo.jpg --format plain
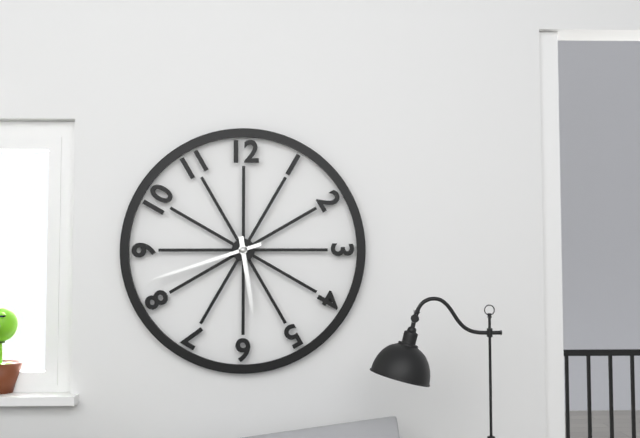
5:42
